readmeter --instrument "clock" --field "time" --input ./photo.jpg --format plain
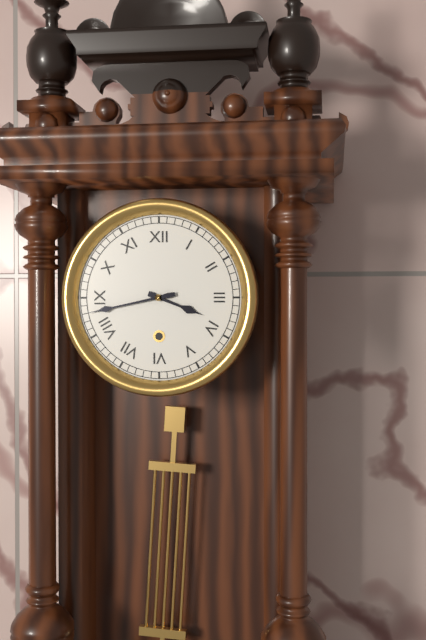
3:43
